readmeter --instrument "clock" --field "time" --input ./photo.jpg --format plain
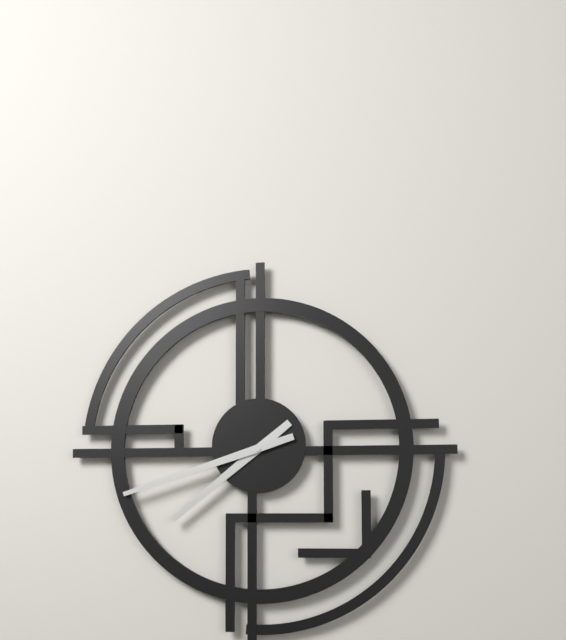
7:42
